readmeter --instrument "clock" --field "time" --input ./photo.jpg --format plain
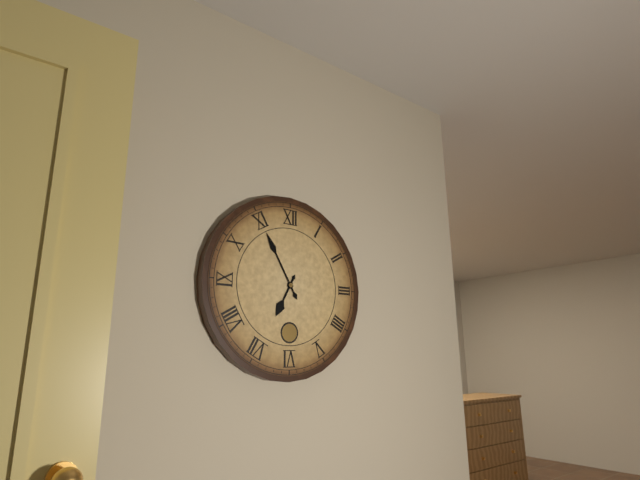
6:55
